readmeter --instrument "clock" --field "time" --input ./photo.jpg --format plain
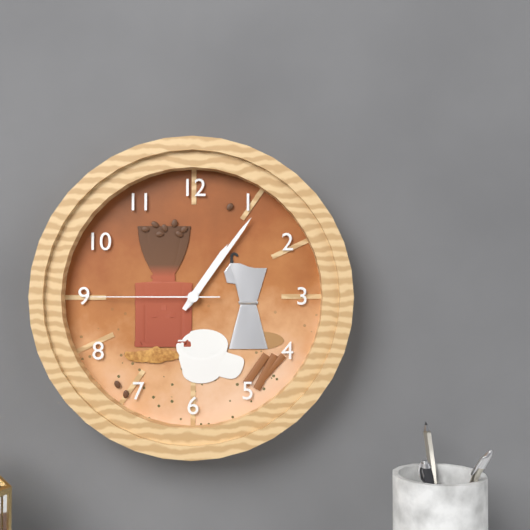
1:06:45
